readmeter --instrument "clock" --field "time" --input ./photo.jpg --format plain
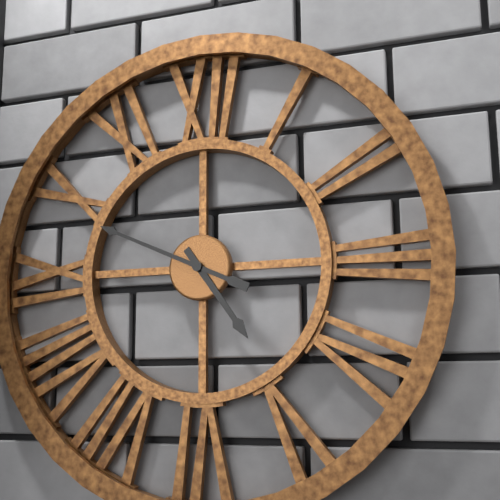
4:49
